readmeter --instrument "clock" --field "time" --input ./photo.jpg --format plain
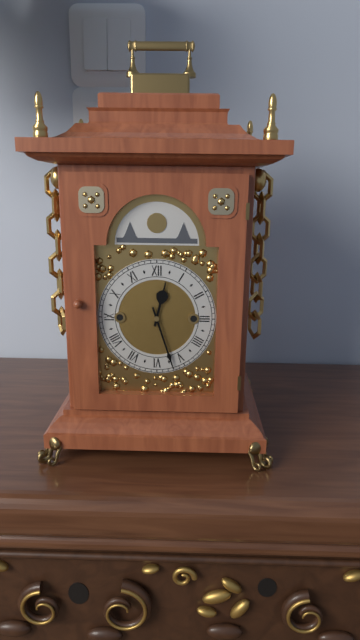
12:27
